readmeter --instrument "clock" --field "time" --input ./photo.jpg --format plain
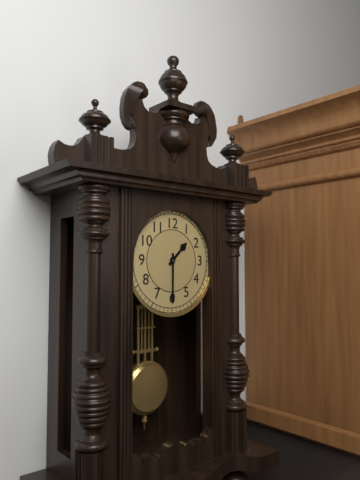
1:30
